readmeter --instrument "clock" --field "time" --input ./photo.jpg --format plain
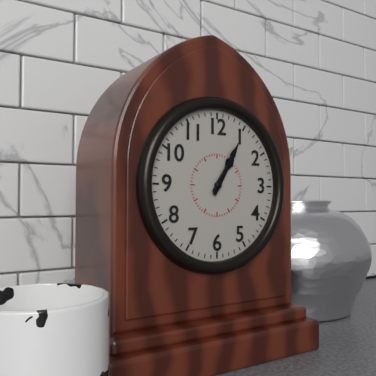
1:05
